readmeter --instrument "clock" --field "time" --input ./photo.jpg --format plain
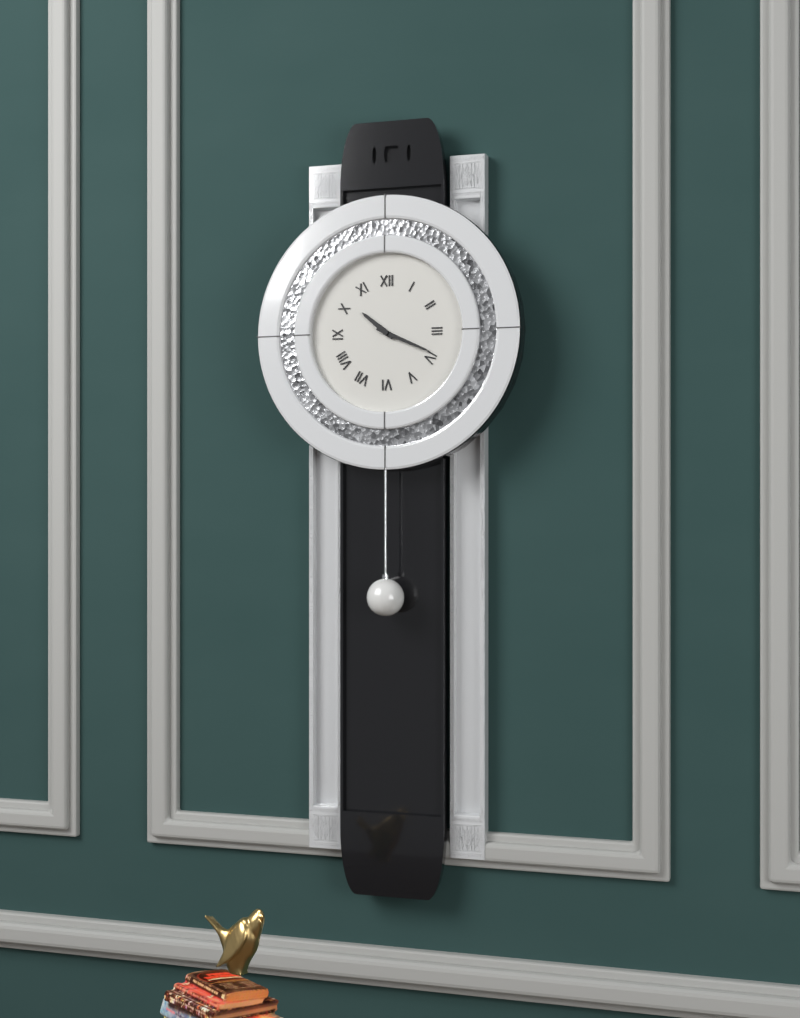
10:19
